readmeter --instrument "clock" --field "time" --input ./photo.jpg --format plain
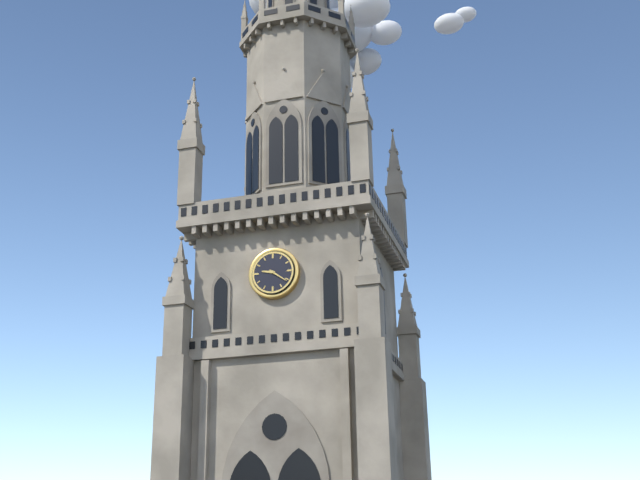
9:21
